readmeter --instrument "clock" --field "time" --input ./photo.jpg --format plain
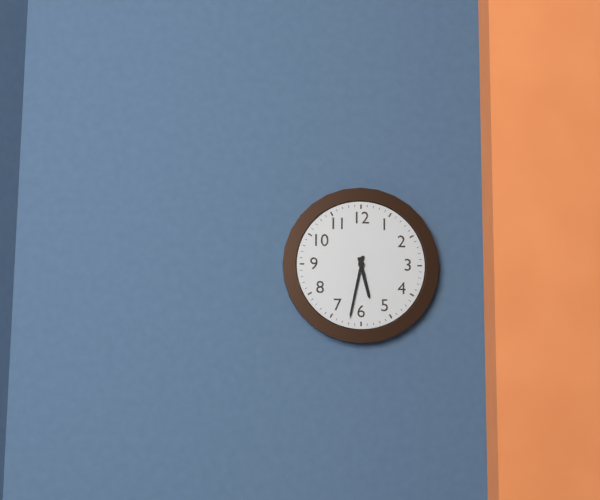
5:32
